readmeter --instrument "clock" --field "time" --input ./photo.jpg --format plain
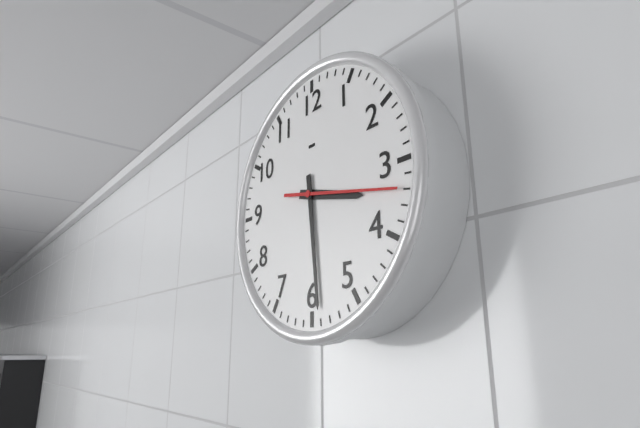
3:29:17
